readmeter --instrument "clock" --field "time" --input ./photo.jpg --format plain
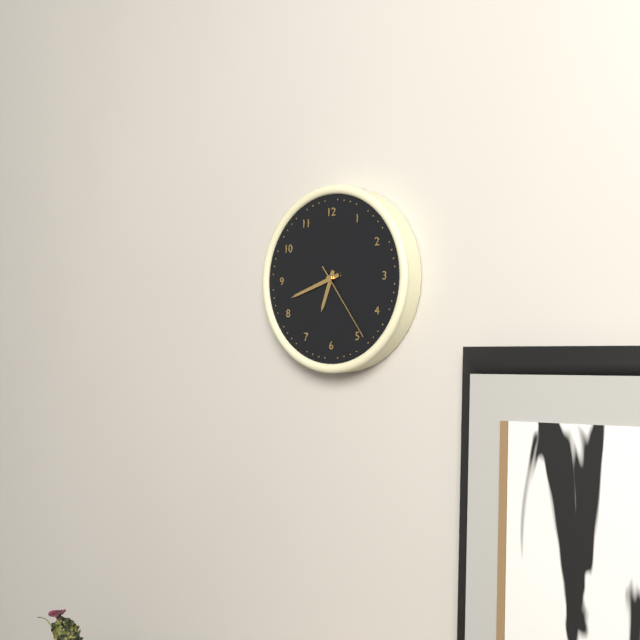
6:42:24
